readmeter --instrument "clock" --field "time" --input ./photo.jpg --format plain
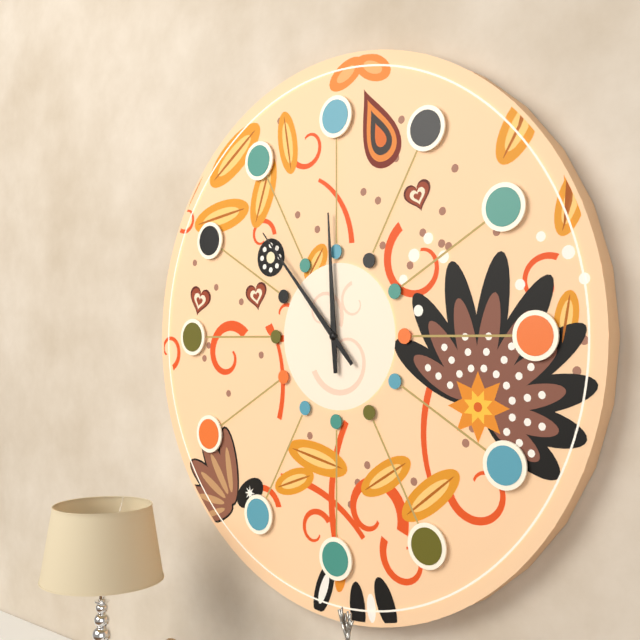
11:53
